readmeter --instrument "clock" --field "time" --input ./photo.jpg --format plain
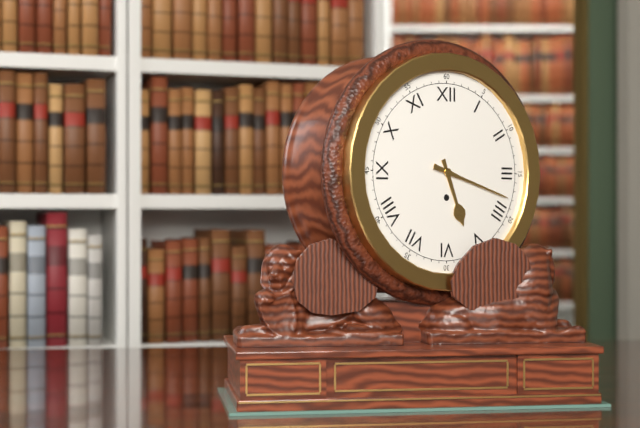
5:18
